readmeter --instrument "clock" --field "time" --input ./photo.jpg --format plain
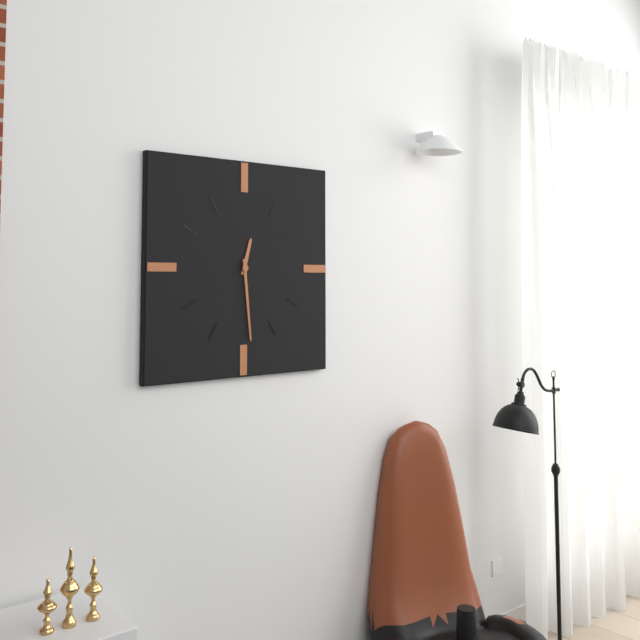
12:29
